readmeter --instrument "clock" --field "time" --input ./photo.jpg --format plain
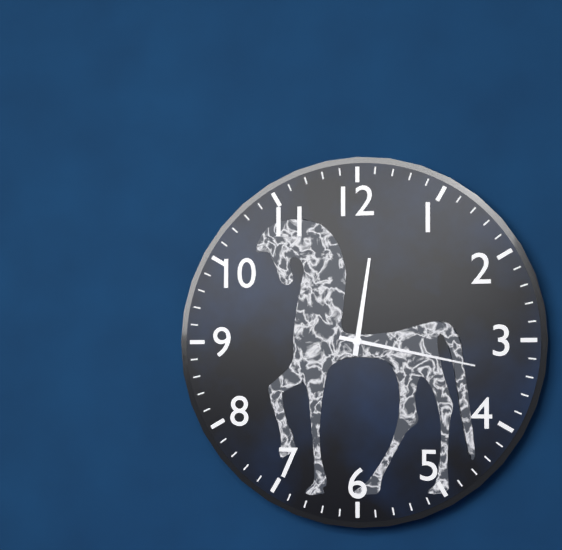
12:17
